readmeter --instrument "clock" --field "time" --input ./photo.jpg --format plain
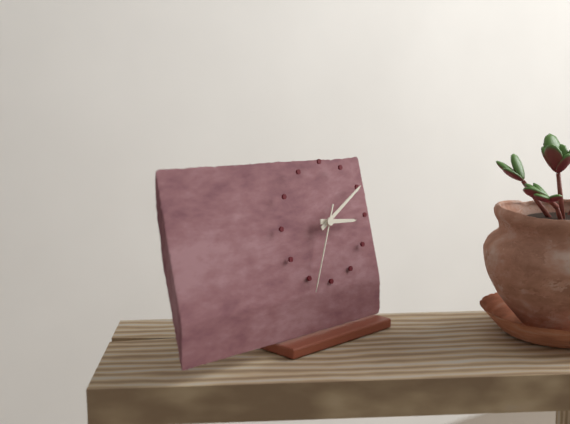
3:10:34
